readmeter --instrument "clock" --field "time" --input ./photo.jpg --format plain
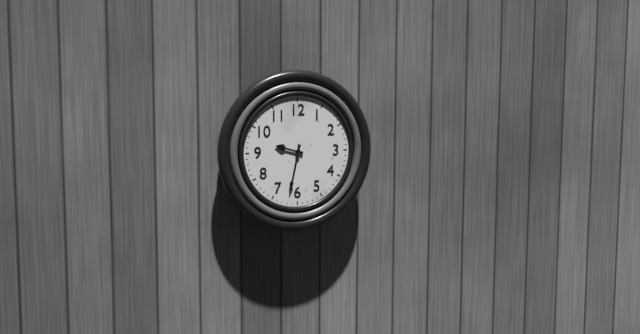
9:32
